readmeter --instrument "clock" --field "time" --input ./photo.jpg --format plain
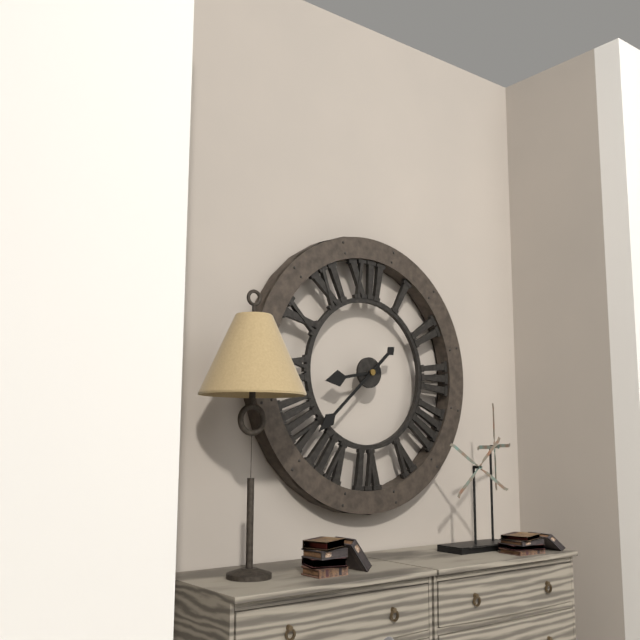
8:38
